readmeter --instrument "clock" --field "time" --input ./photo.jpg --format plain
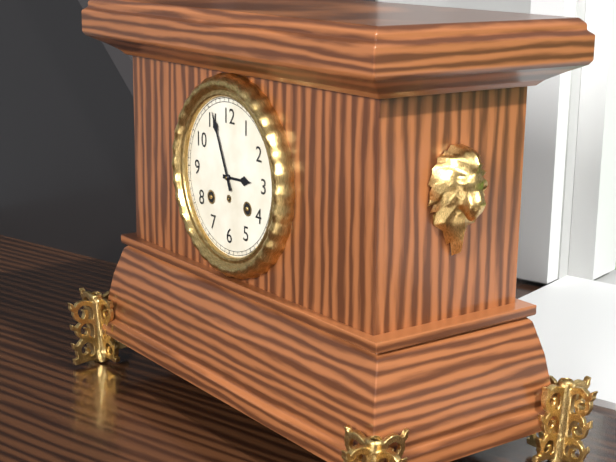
2:56
